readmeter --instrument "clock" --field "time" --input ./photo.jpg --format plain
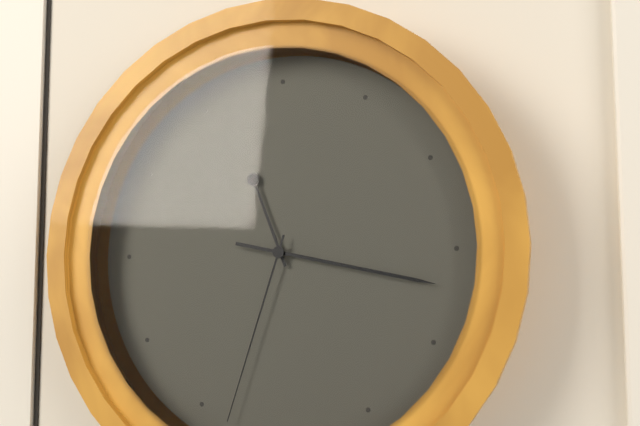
11:17:33
